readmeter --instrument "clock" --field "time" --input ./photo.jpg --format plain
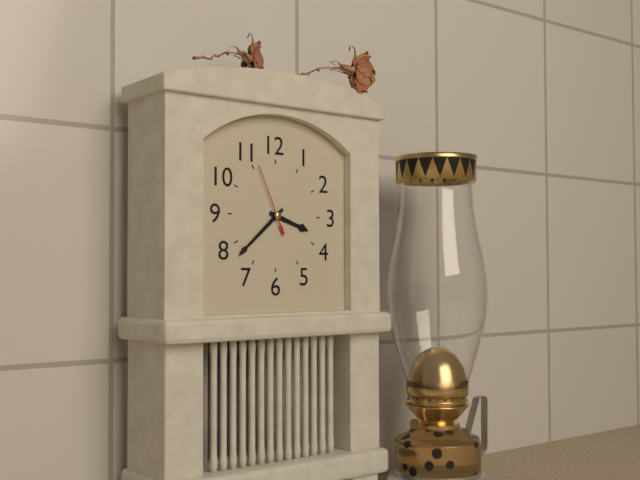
3:38:56
